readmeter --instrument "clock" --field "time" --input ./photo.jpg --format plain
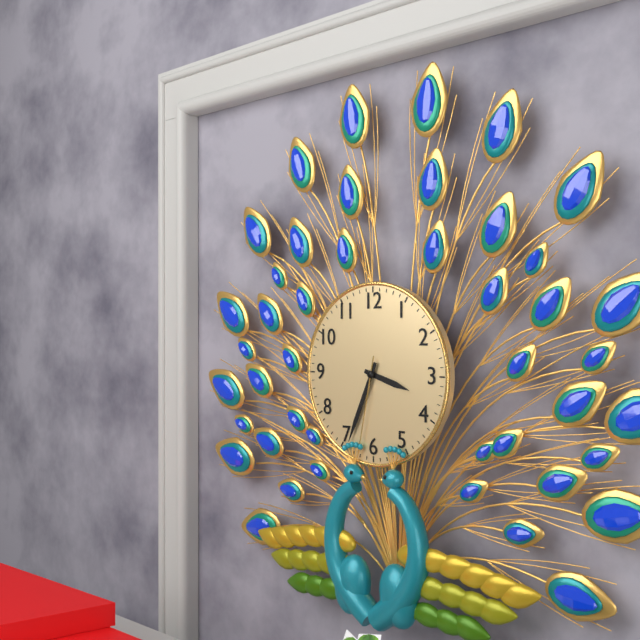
3:34:32
